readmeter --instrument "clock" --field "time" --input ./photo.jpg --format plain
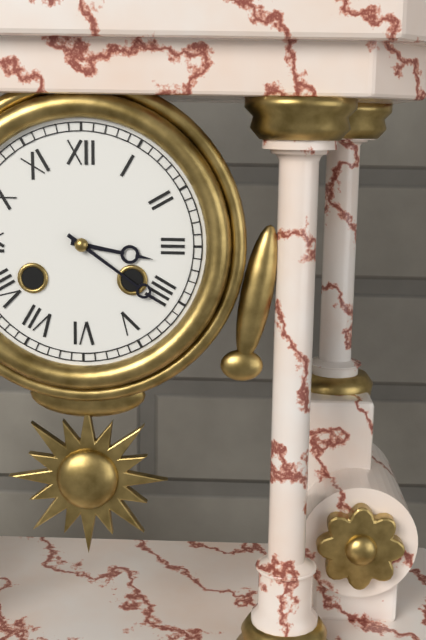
3:21
